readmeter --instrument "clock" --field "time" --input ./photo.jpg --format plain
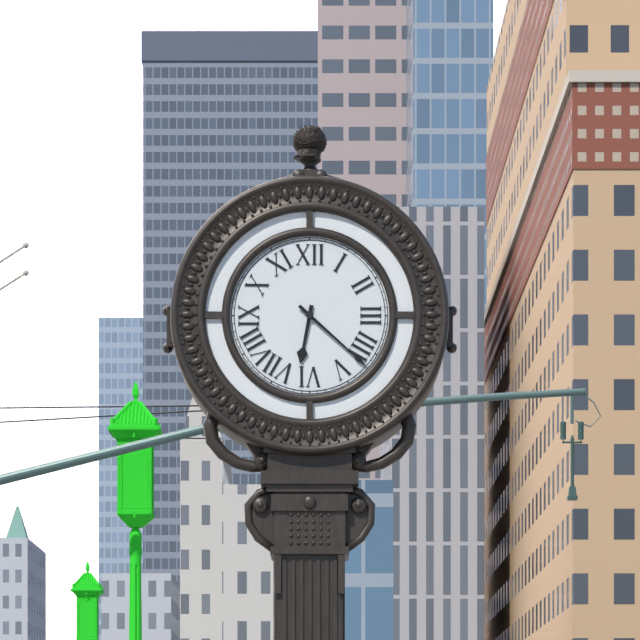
6:22
